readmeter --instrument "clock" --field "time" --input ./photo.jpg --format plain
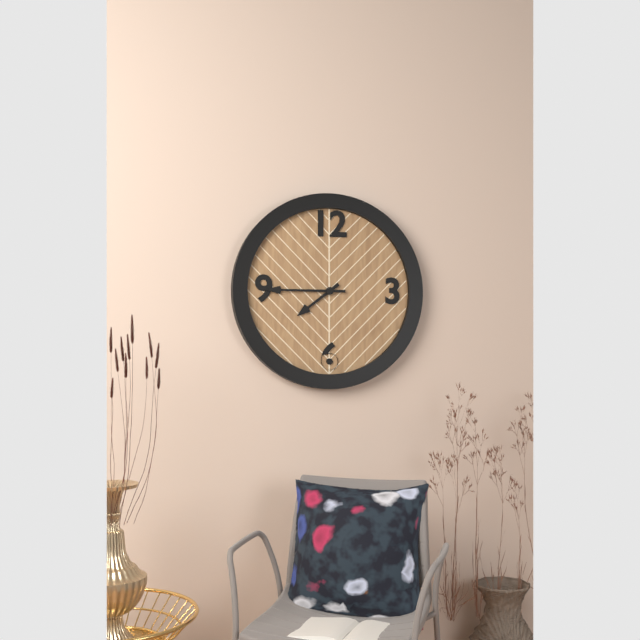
7:45
